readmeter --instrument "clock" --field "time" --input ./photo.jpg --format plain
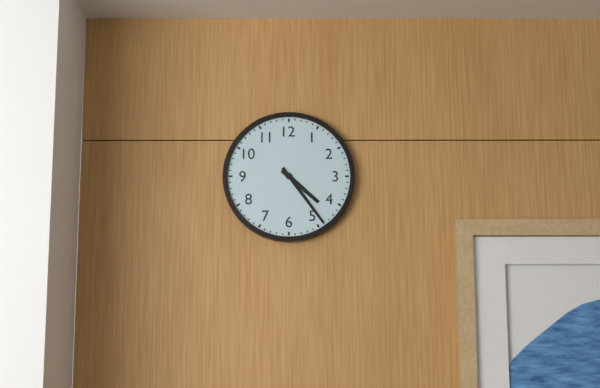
4:24
